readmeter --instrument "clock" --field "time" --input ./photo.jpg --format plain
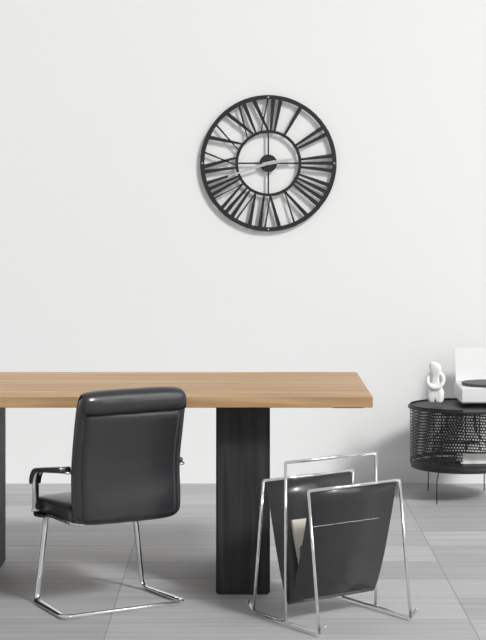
2:42
